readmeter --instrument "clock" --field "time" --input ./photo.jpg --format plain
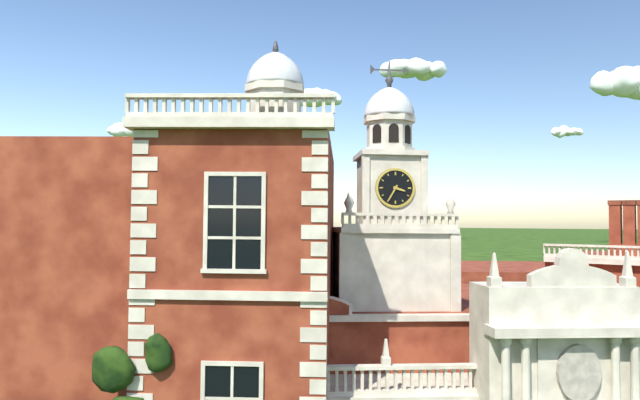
3:35
